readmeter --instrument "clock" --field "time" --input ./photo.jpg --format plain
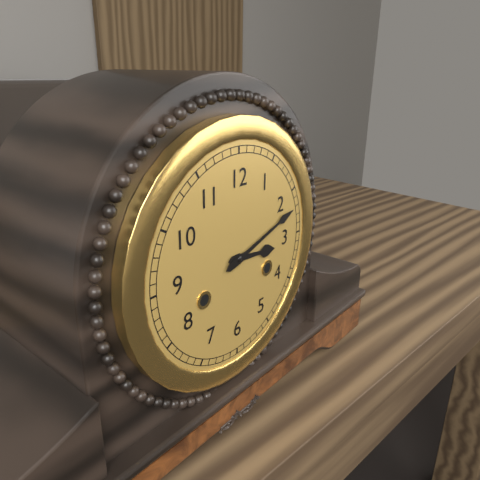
3:12
